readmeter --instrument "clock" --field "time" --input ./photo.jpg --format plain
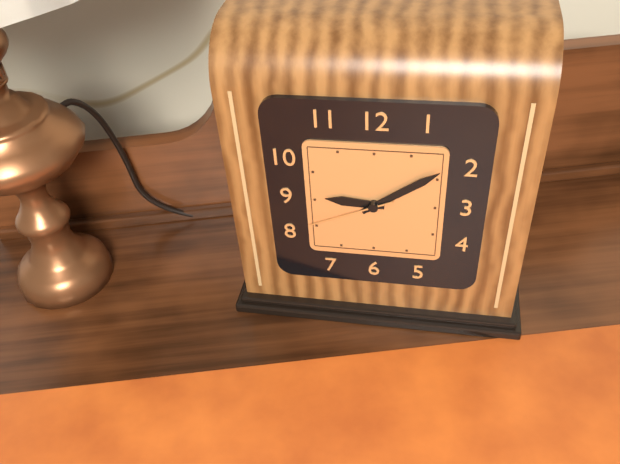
9:09:41
